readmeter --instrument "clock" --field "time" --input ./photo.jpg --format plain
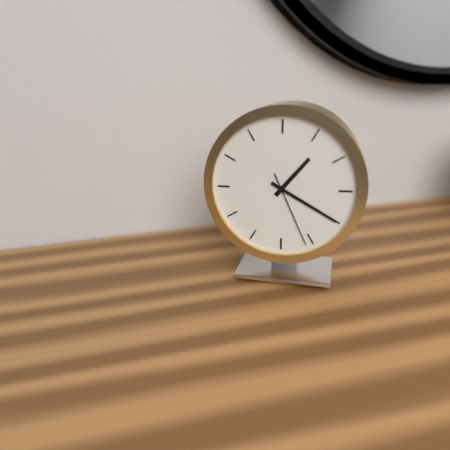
1:20:26
